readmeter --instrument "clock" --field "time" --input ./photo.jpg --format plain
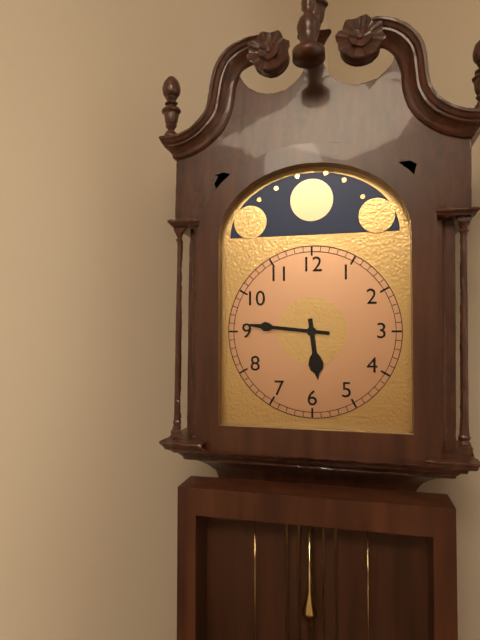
5:46
